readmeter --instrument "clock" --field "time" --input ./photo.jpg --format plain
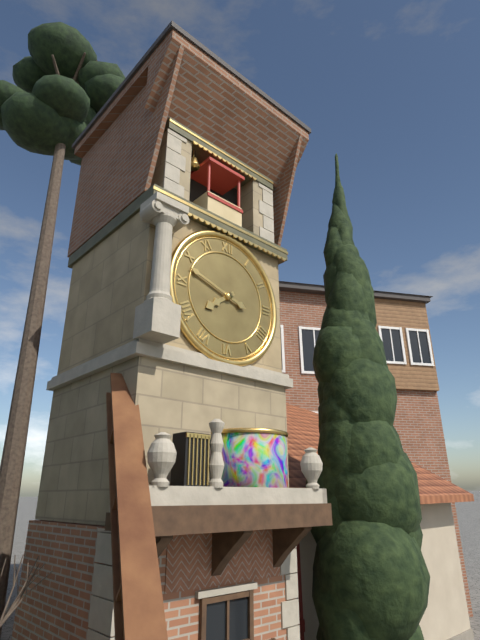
7:48
